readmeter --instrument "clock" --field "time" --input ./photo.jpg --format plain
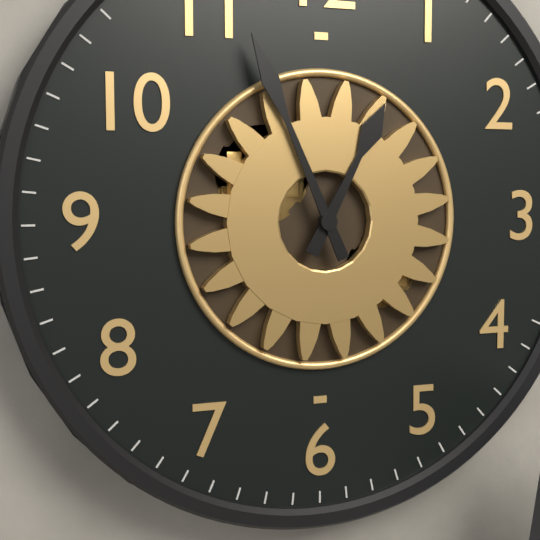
12:56
